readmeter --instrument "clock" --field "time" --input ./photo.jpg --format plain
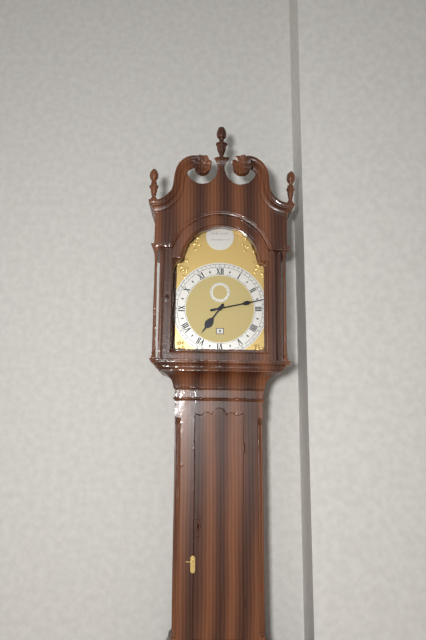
7:13
